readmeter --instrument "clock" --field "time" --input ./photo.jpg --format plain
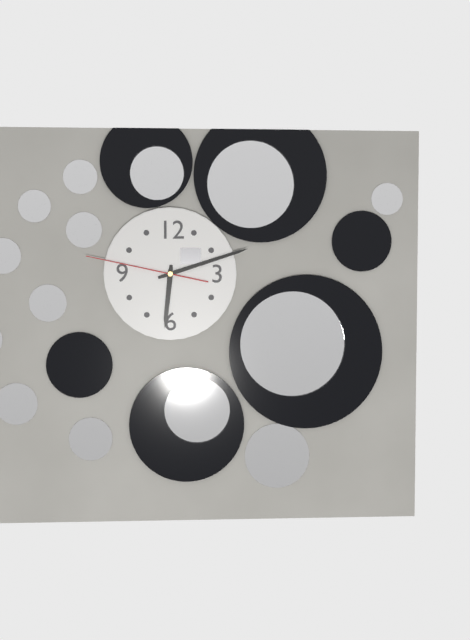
6:12:47
